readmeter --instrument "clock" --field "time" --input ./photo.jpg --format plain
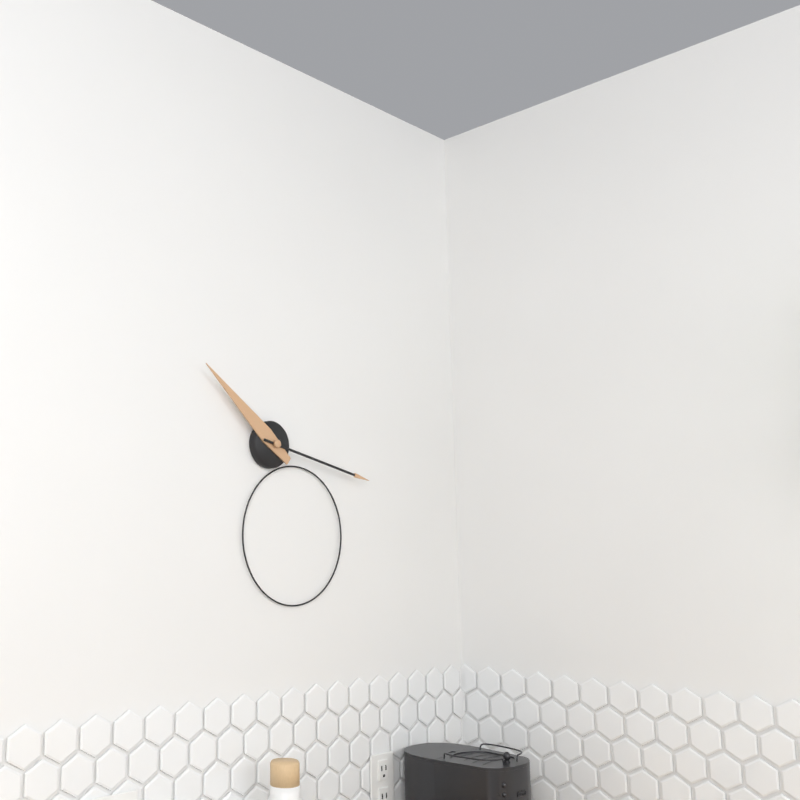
10:17
